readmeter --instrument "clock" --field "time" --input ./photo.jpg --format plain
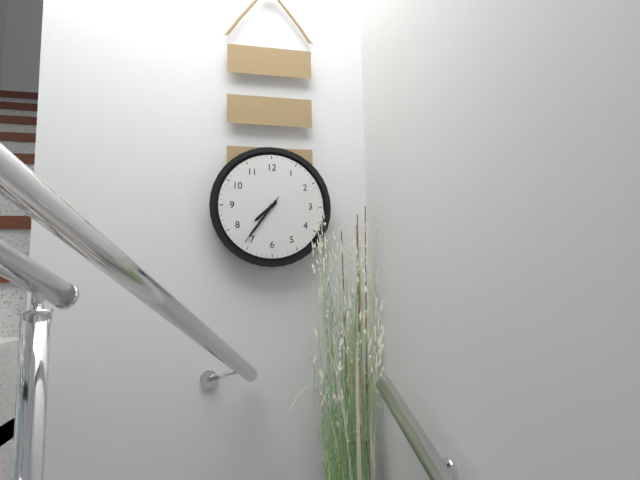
7:36:36
